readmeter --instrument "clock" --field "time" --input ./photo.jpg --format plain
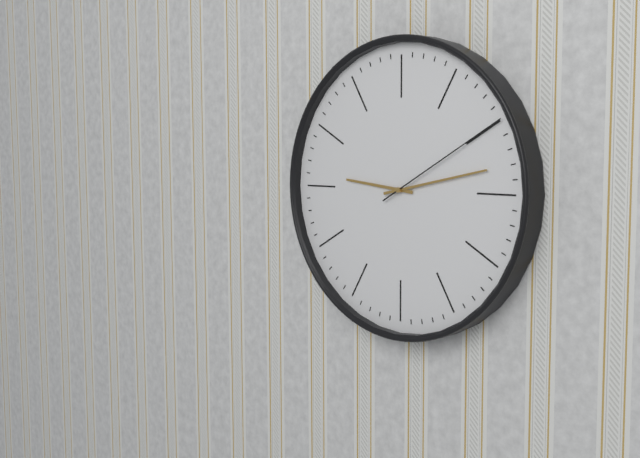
9:13:10
